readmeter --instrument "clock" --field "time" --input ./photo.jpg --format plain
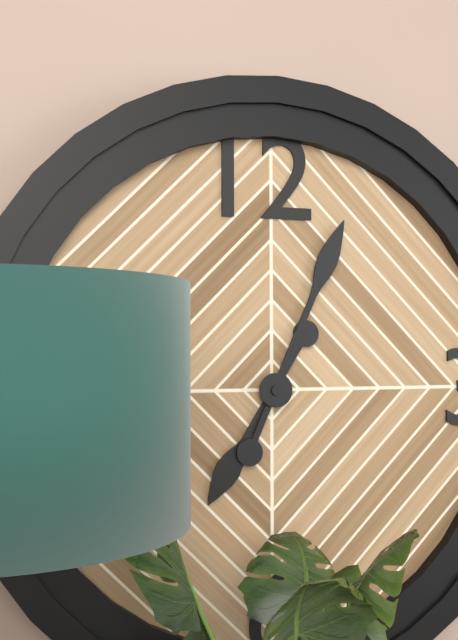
7:04
